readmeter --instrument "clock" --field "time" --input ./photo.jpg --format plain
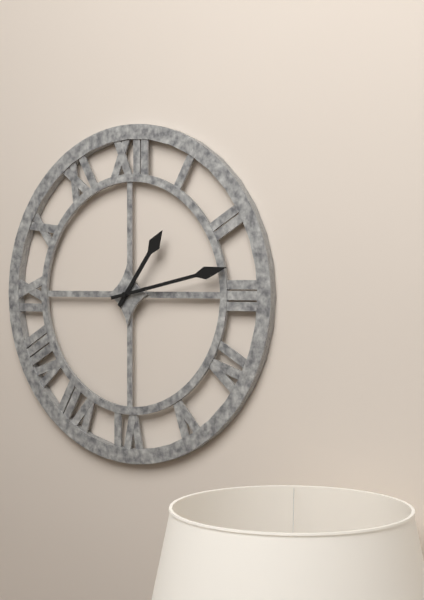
1:13
